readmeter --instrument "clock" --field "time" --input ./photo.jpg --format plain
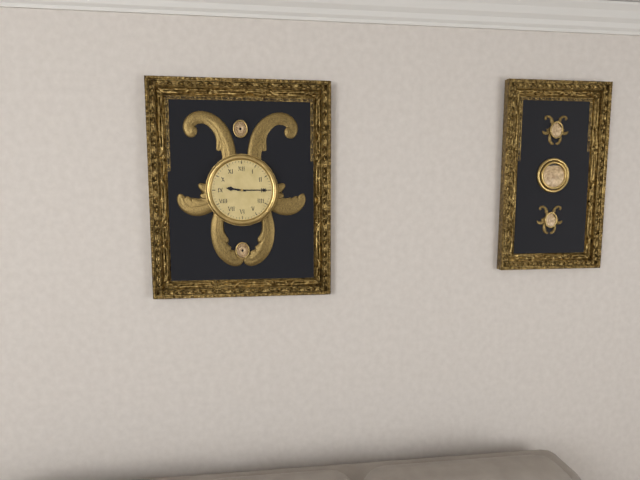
9:15
